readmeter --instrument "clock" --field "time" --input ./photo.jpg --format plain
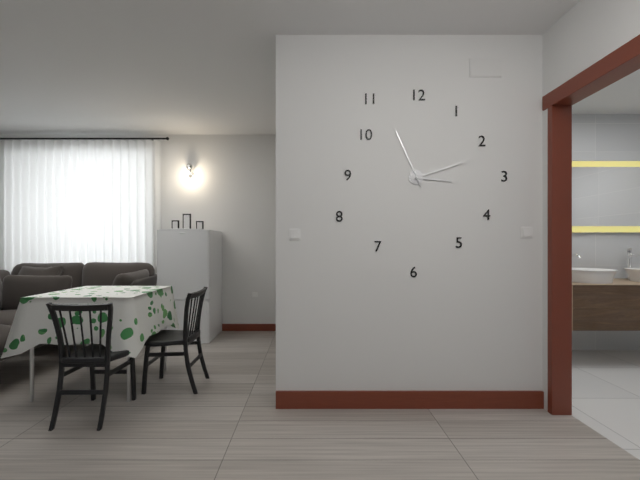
3:12:56
